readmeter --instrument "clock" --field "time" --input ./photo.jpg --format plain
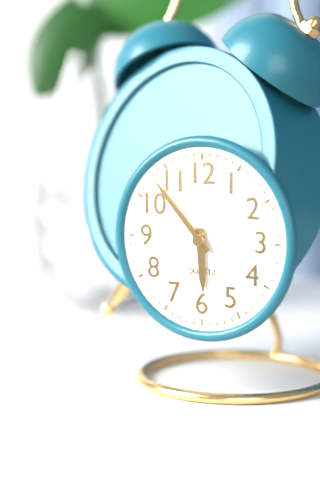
5:53
